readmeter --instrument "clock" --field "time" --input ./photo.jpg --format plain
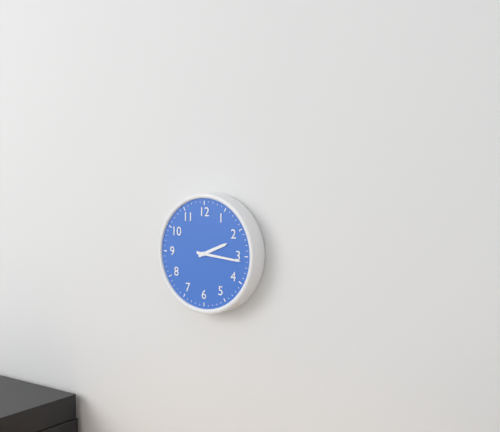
2:16
